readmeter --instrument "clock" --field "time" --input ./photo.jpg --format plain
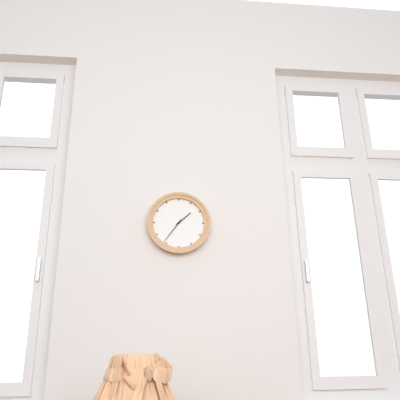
1:36
